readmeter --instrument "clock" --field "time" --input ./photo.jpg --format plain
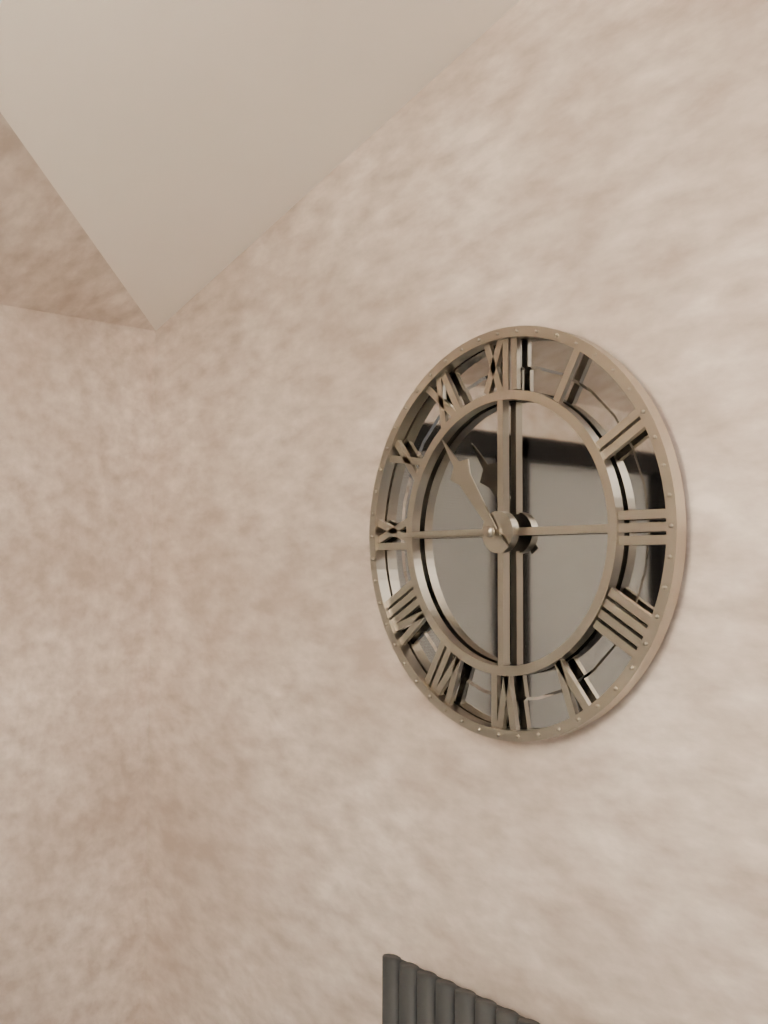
10:45
